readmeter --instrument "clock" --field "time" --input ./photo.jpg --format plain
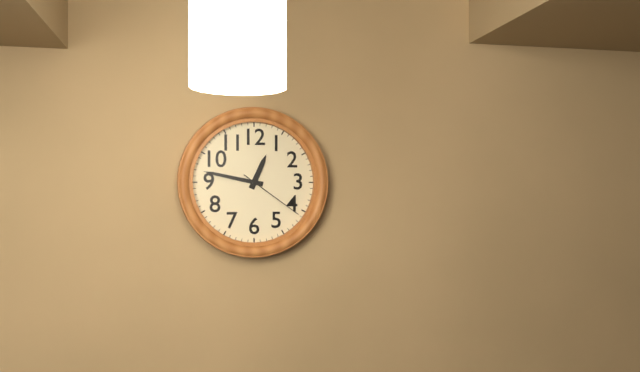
12:47:21
